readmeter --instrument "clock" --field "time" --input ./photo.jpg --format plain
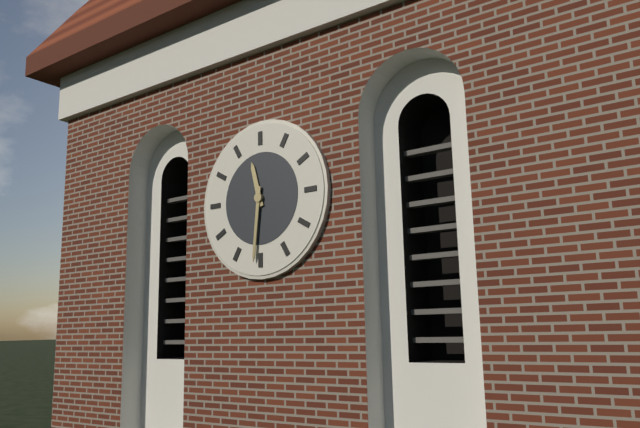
11:31
